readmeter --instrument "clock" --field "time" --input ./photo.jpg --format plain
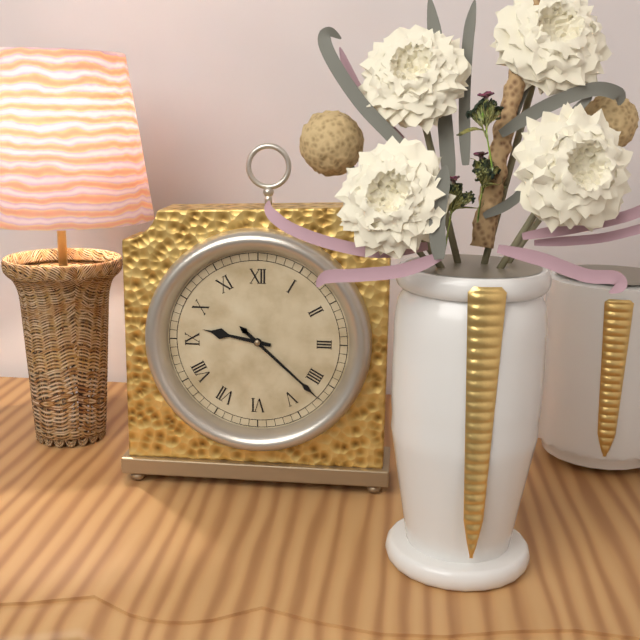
9:22
